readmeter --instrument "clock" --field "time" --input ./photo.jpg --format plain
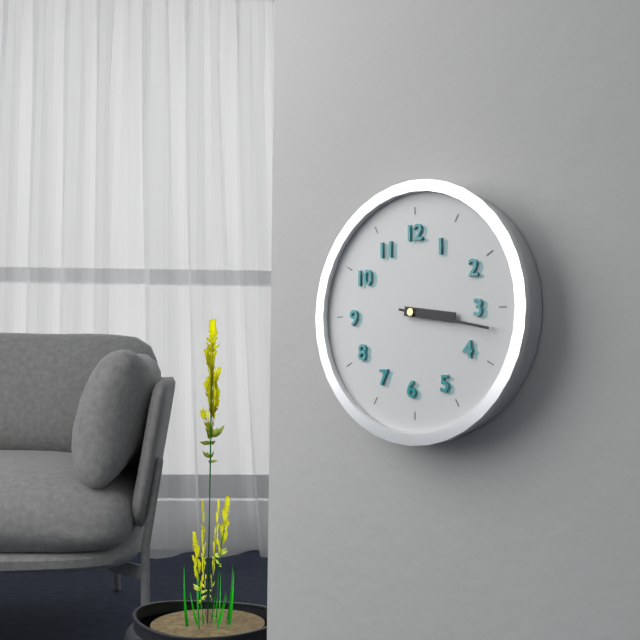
3:17
